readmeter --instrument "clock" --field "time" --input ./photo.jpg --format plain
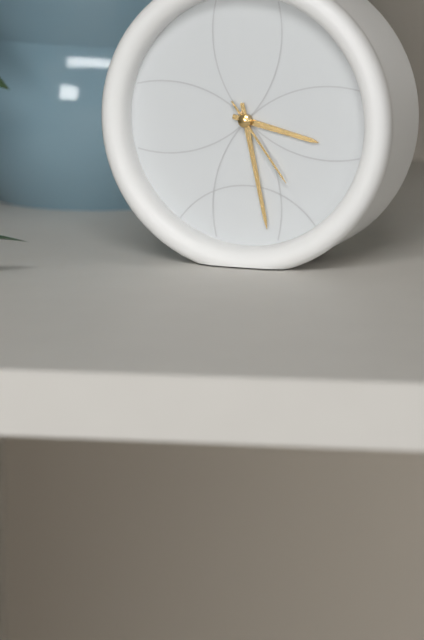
3:28:24
